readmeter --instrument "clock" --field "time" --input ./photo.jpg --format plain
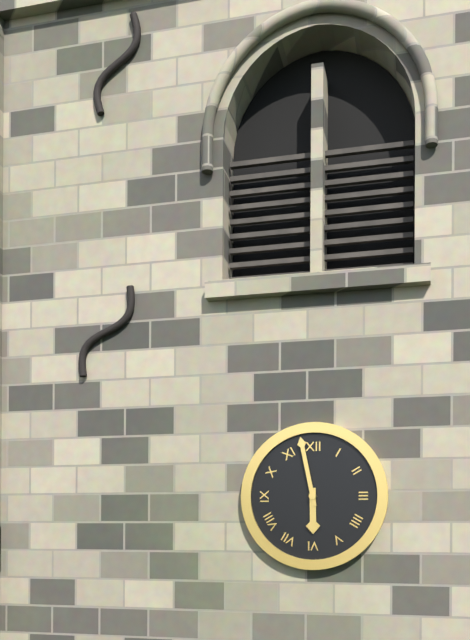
5:58
